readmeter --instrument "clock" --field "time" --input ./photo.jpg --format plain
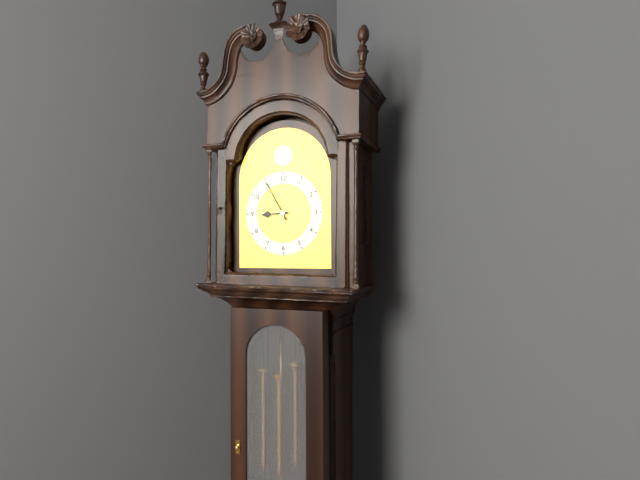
8:55
